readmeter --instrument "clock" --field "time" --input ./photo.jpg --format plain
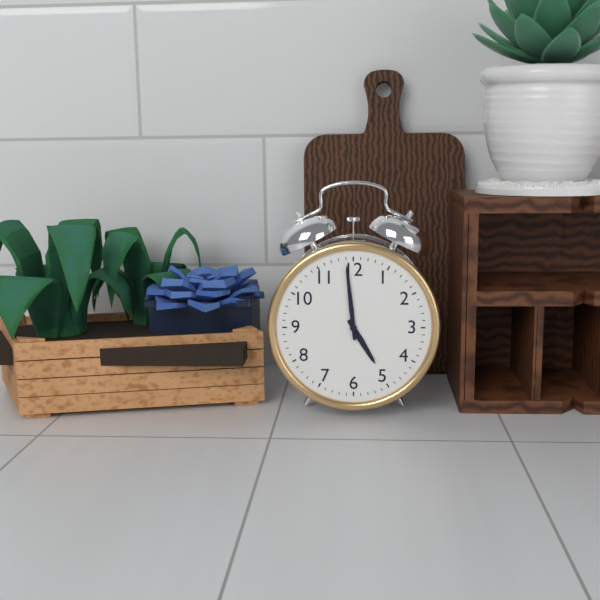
4:59
